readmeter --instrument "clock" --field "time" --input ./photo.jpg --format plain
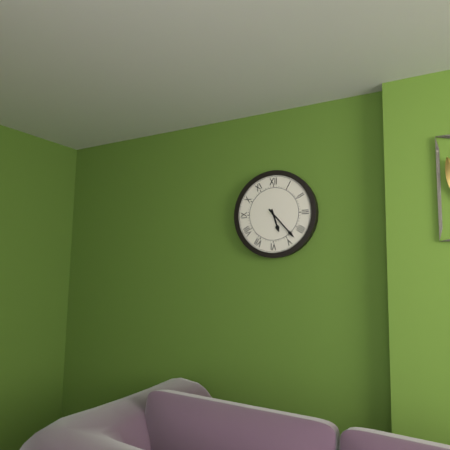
5:23
